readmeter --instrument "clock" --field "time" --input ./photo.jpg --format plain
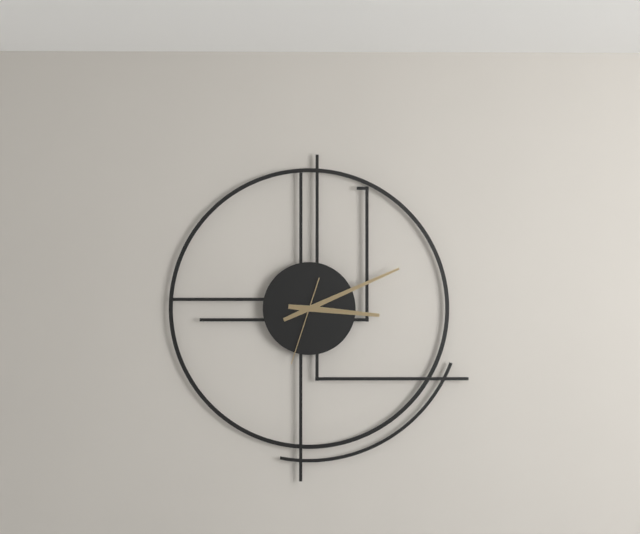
3:11:33
